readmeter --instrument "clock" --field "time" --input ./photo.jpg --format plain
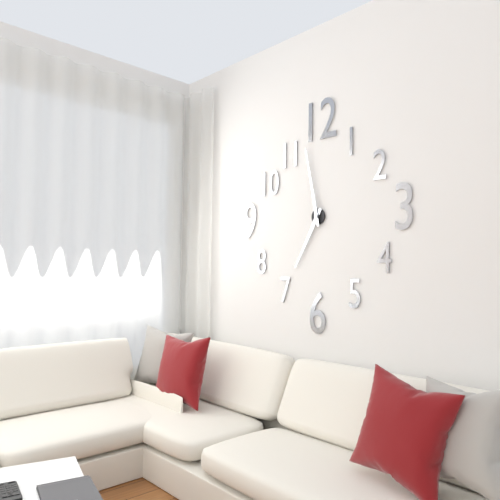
6:58
